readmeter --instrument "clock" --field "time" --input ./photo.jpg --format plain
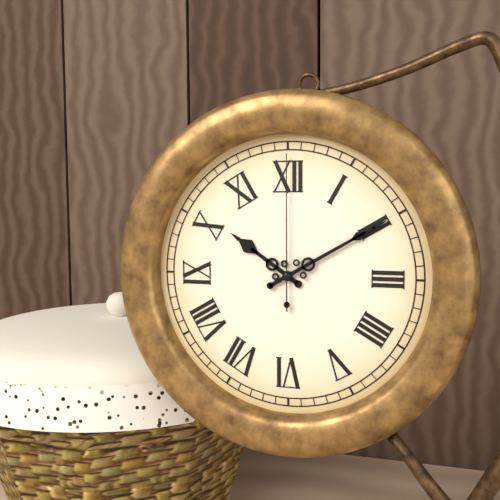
10:10:00
